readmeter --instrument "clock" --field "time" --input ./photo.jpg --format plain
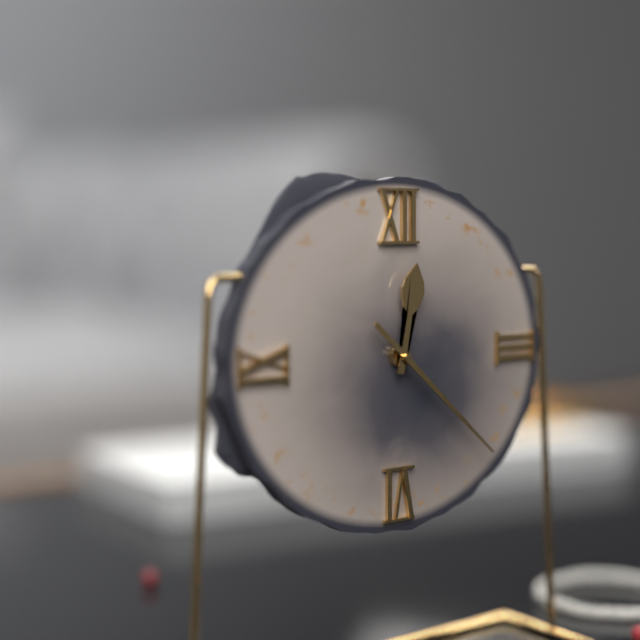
12:22
